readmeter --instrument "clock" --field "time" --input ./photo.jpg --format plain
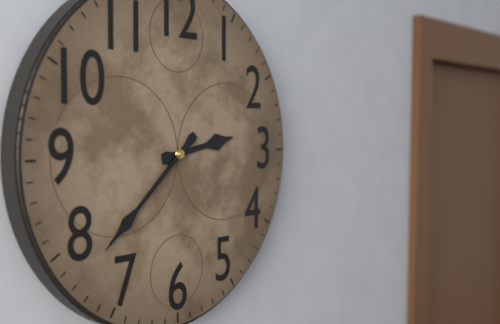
2:38
